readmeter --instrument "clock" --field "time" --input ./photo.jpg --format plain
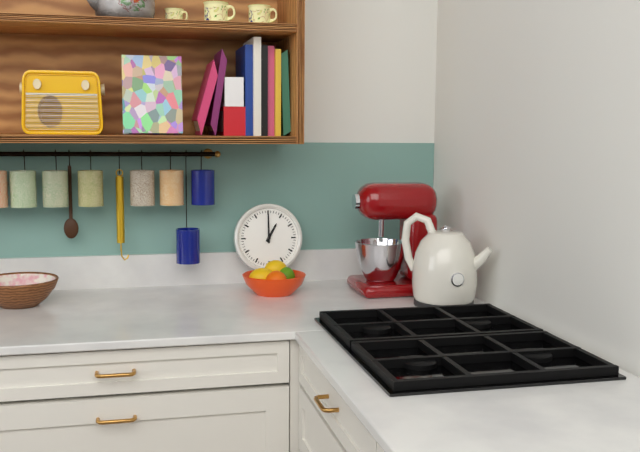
1:00
